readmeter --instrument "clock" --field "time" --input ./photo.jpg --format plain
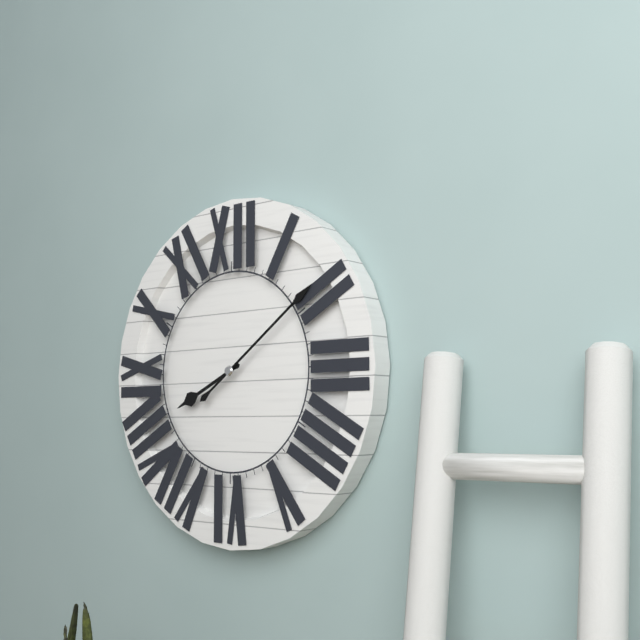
8:09
